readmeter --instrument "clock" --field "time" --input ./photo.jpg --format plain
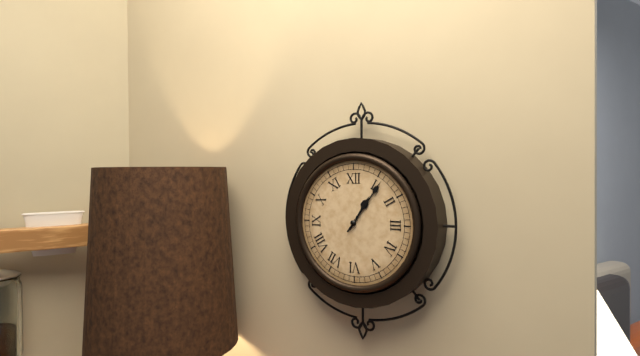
1:06
